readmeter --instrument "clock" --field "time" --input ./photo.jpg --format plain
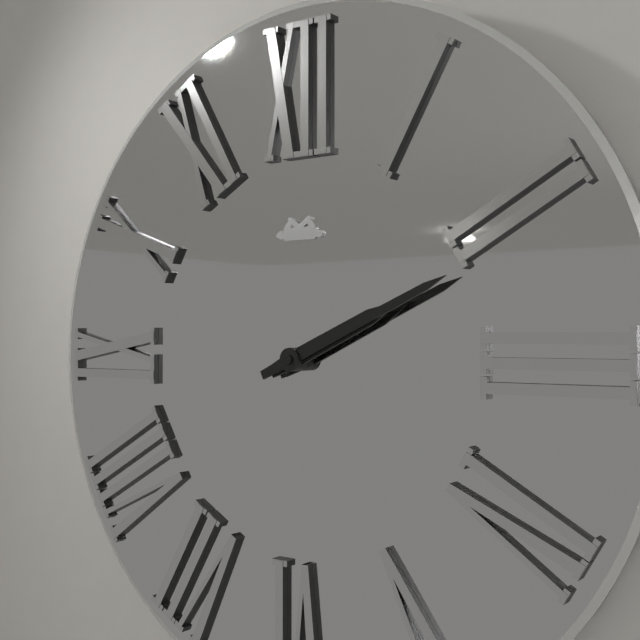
2:11
